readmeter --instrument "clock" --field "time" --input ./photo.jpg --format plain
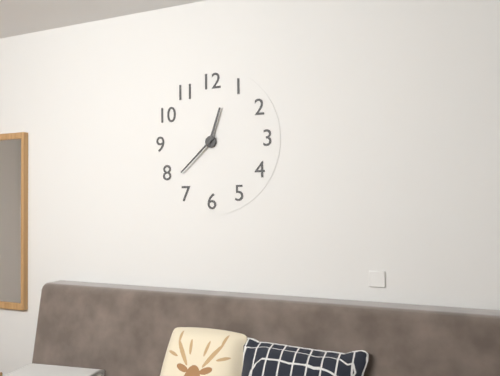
12:38
